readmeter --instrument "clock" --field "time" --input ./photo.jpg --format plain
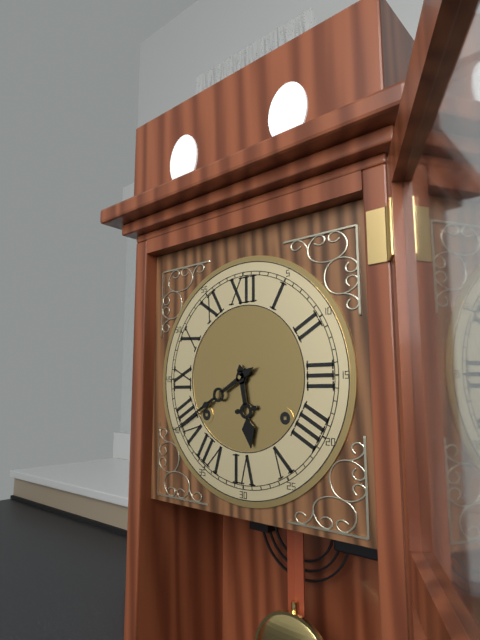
5:40
